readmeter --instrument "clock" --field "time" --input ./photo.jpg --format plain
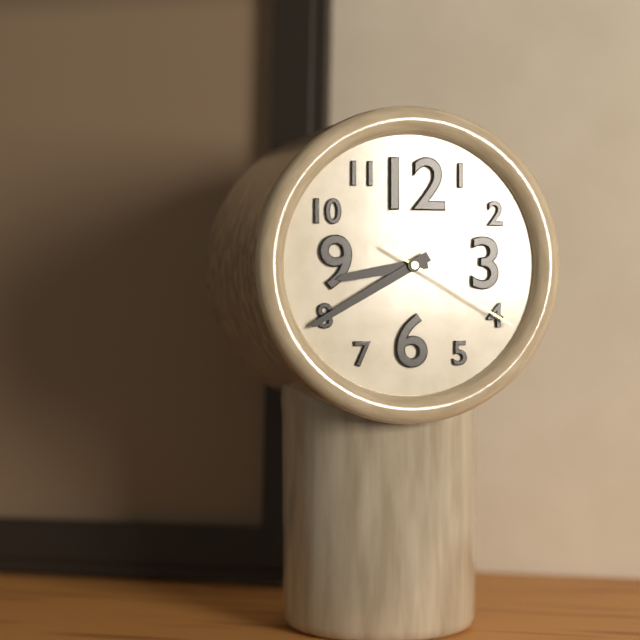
8:40:20
